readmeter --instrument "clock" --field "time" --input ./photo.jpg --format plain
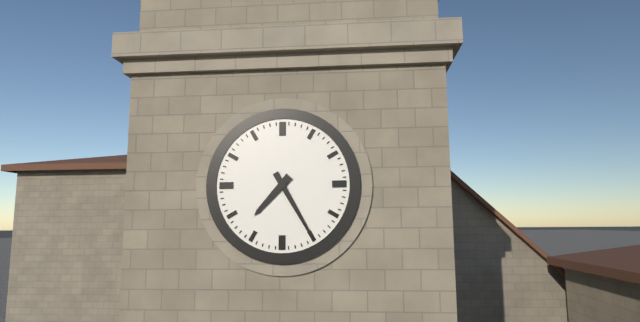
7:25
